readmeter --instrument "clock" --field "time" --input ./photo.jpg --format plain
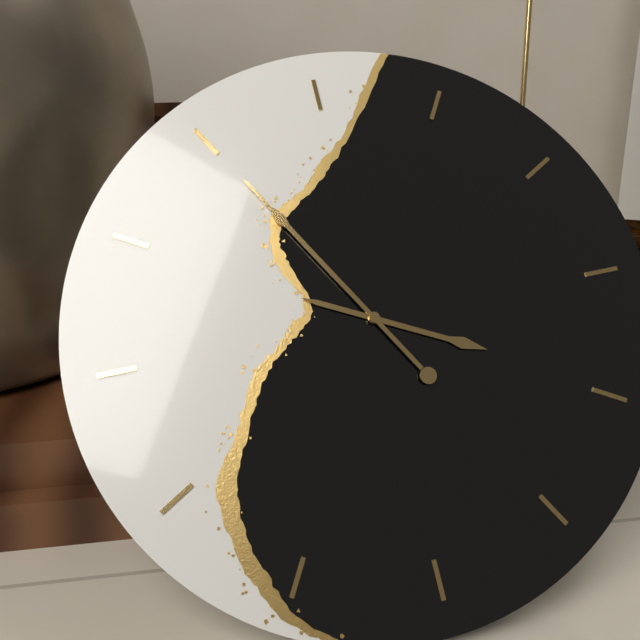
3:55
